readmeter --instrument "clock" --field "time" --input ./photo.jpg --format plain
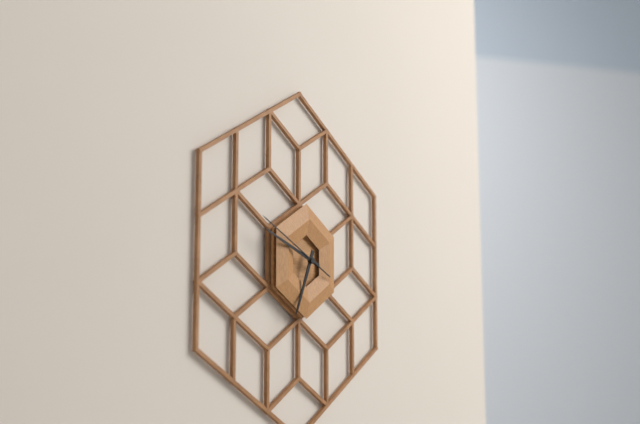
6:48:49
